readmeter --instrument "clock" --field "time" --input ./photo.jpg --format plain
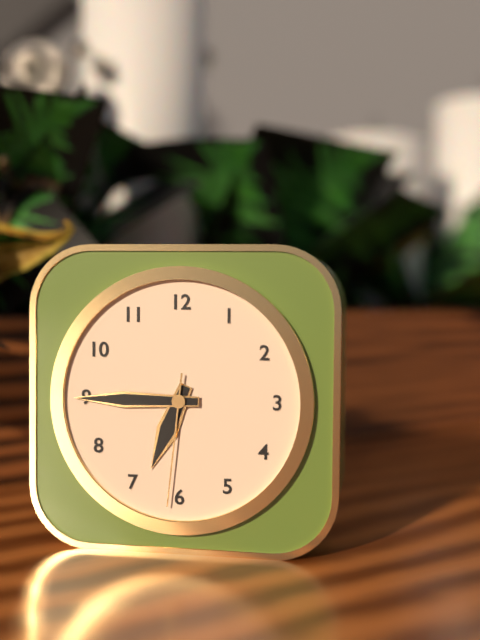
6:45:31
